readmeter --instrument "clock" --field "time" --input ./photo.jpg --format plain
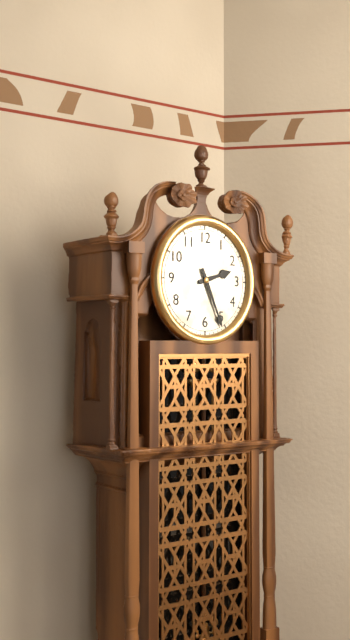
2:26
